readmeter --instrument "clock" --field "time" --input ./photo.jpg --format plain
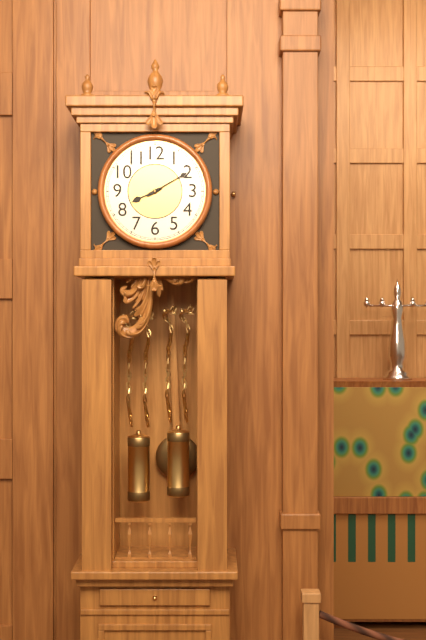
8:10
